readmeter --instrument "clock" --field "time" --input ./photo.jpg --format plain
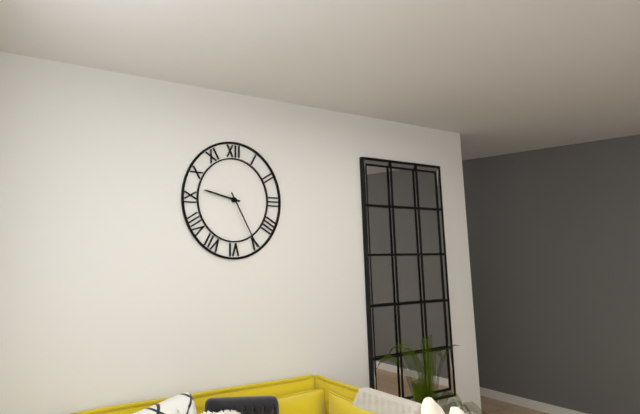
9:25
